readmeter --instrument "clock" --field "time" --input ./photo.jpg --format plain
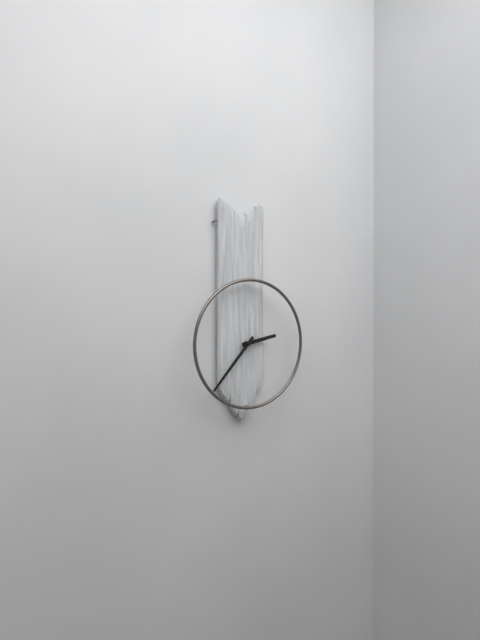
2:37
